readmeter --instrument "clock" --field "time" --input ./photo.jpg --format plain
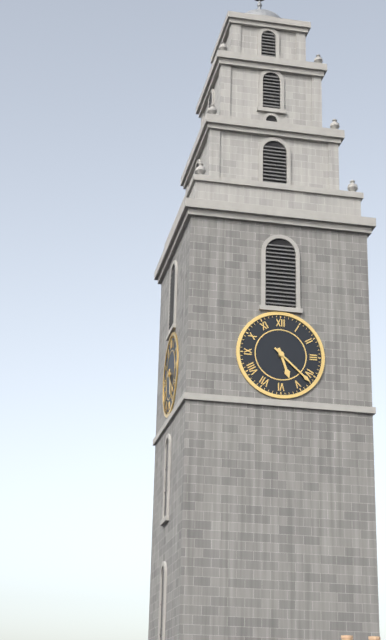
5:22
